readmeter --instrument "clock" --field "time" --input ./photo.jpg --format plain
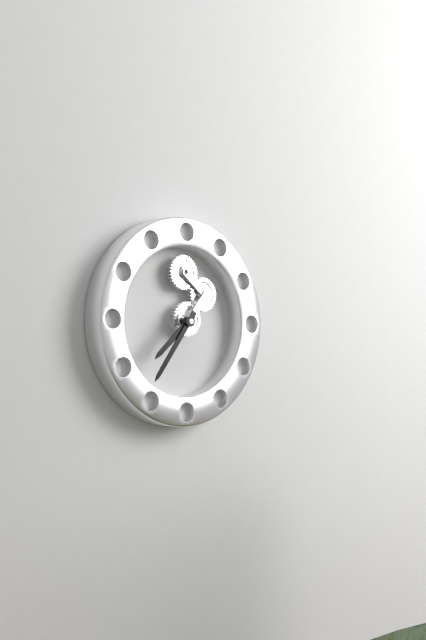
7:36
